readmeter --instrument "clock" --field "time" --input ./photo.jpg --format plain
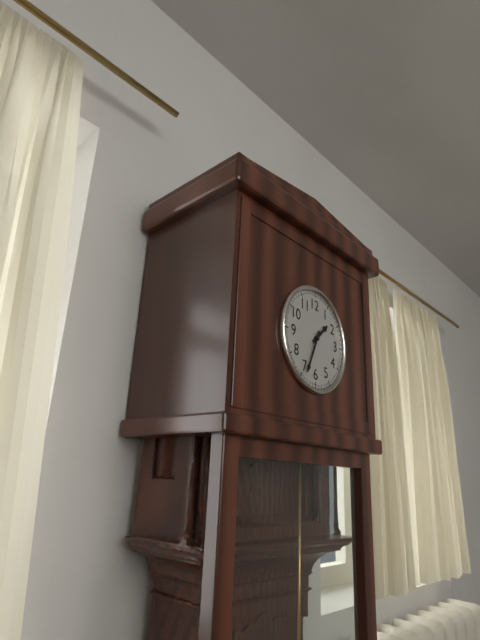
1:34
